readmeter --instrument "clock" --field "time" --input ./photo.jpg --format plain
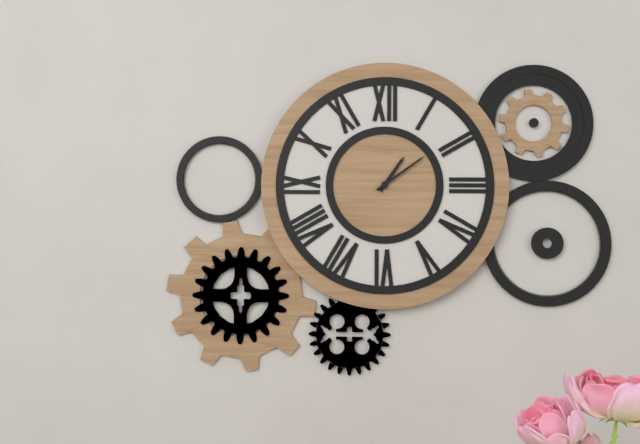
1:09
